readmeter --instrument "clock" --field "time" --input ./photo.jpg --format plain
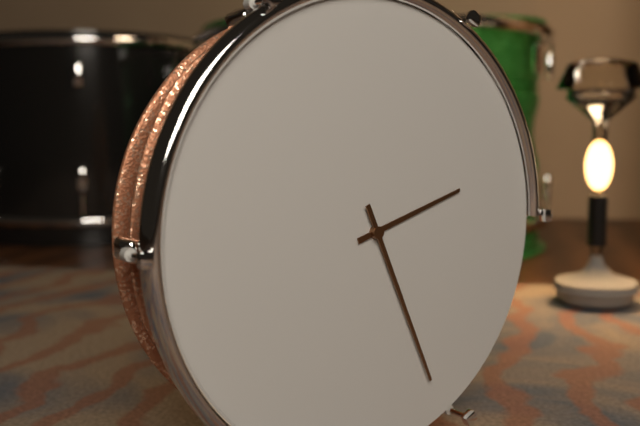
2:26
